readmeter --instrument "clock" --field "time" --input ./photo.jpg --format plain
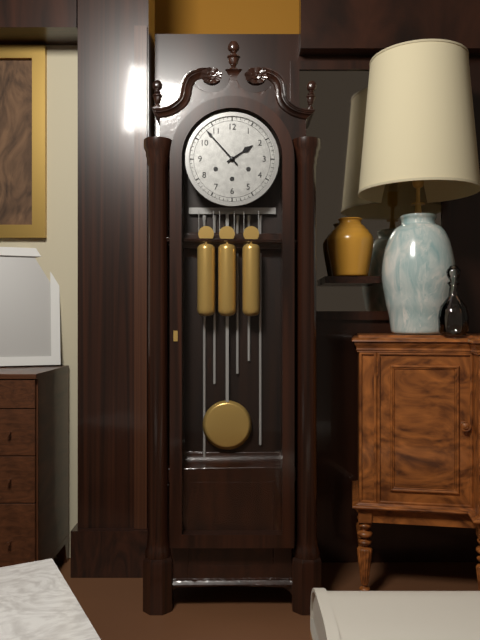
1:53
